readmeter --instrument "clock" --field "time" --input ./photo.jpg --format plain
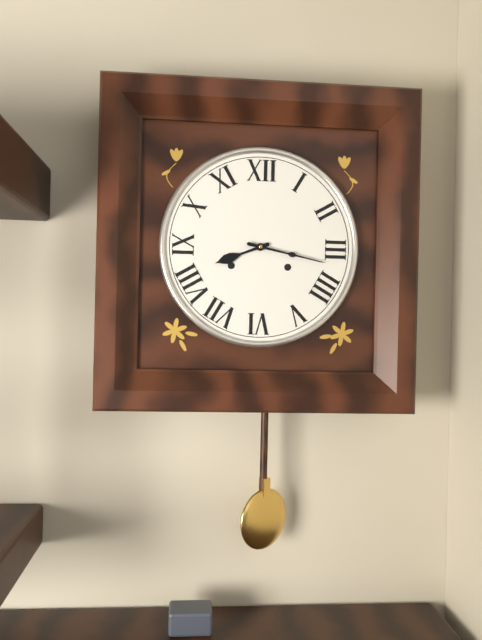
8:17
